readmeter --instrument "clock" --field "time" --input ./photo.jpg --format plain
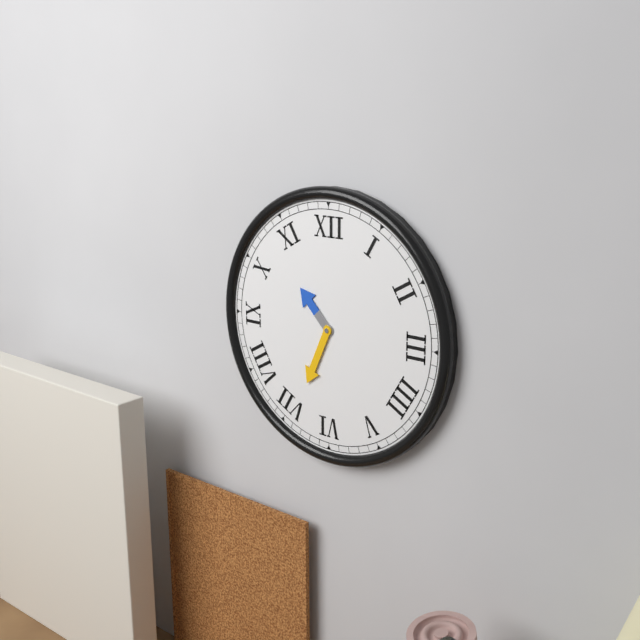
10:34
